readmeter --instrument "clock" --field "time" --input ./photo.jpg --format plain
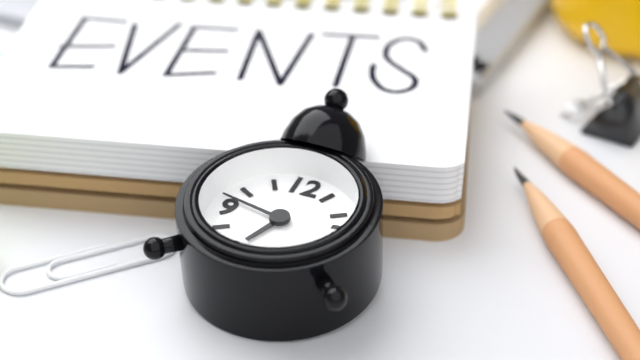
6:47
